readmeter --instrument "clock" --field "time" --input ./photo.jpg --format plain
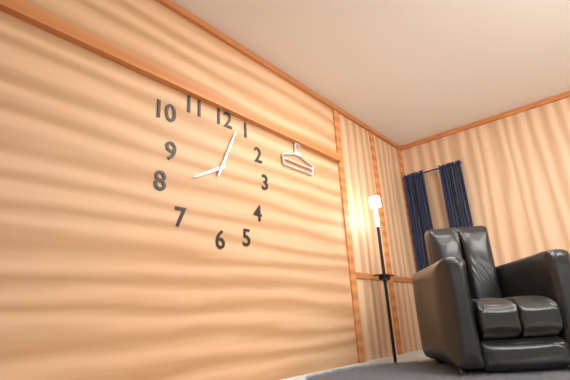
8:04
